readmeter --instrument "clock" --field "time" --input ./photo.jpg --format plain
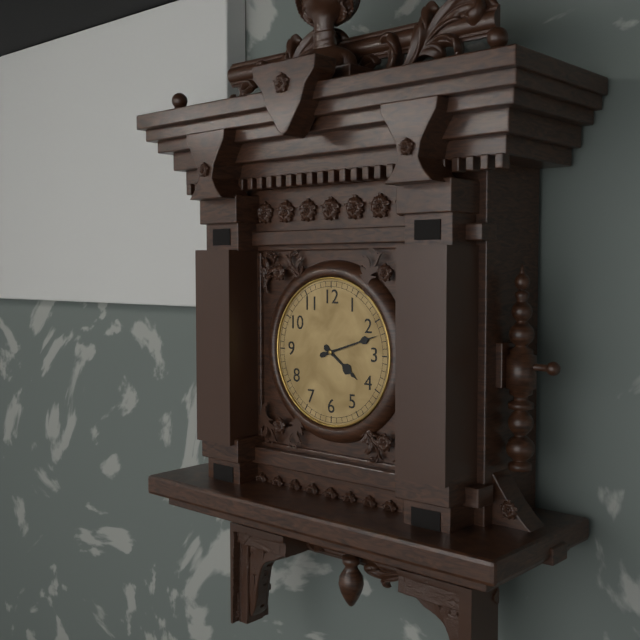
4:12
